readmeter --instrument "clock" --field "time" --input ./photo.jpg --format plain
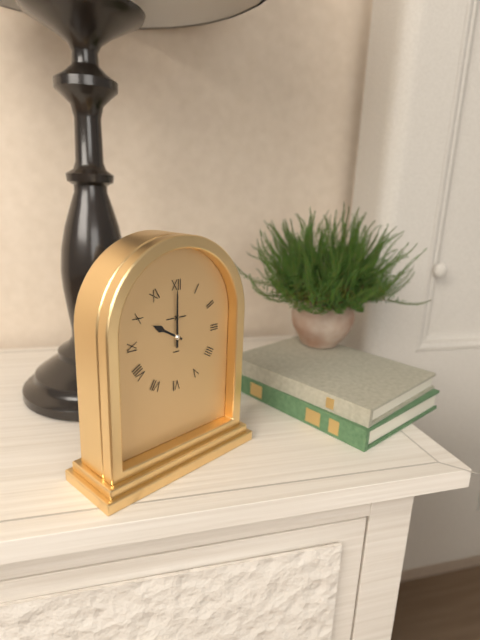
10:00
